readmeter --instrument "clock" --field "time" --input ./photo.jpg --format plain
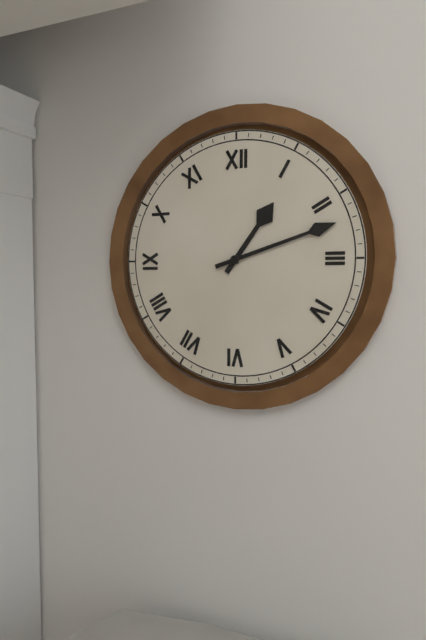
1:12
